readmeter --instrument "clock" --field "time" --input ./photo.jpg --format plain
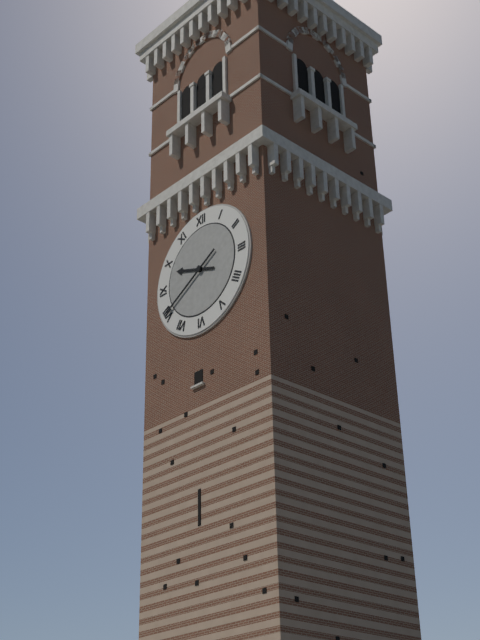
9:40
